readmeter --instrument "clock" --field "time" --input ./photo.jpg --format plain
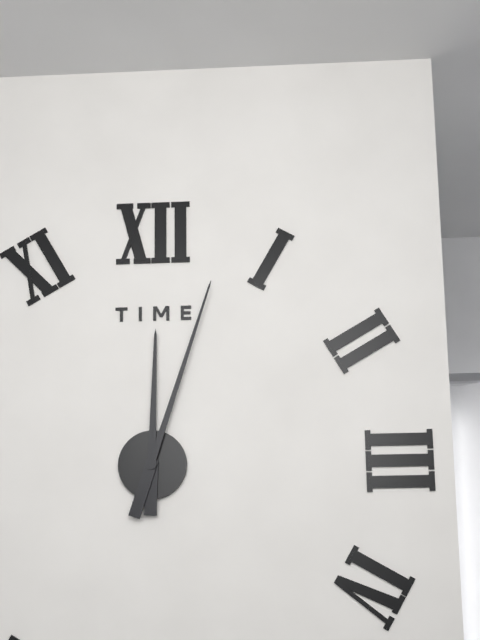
12:03
